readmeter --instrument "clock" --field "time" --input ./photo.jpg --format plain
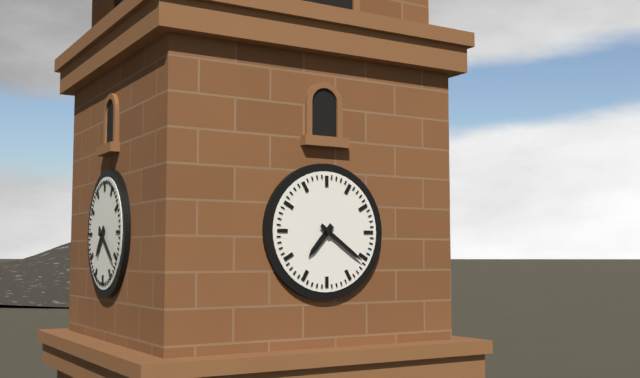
7:21
